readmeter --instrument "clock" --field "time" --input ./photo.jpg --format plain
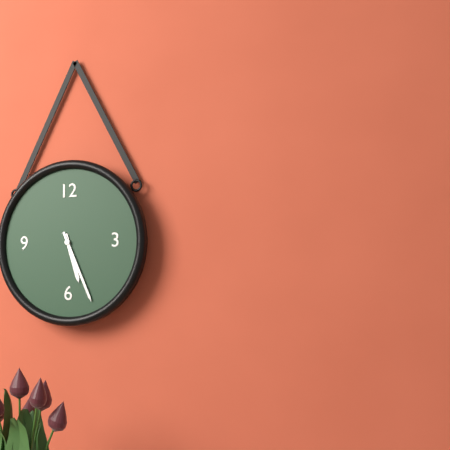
5:26
